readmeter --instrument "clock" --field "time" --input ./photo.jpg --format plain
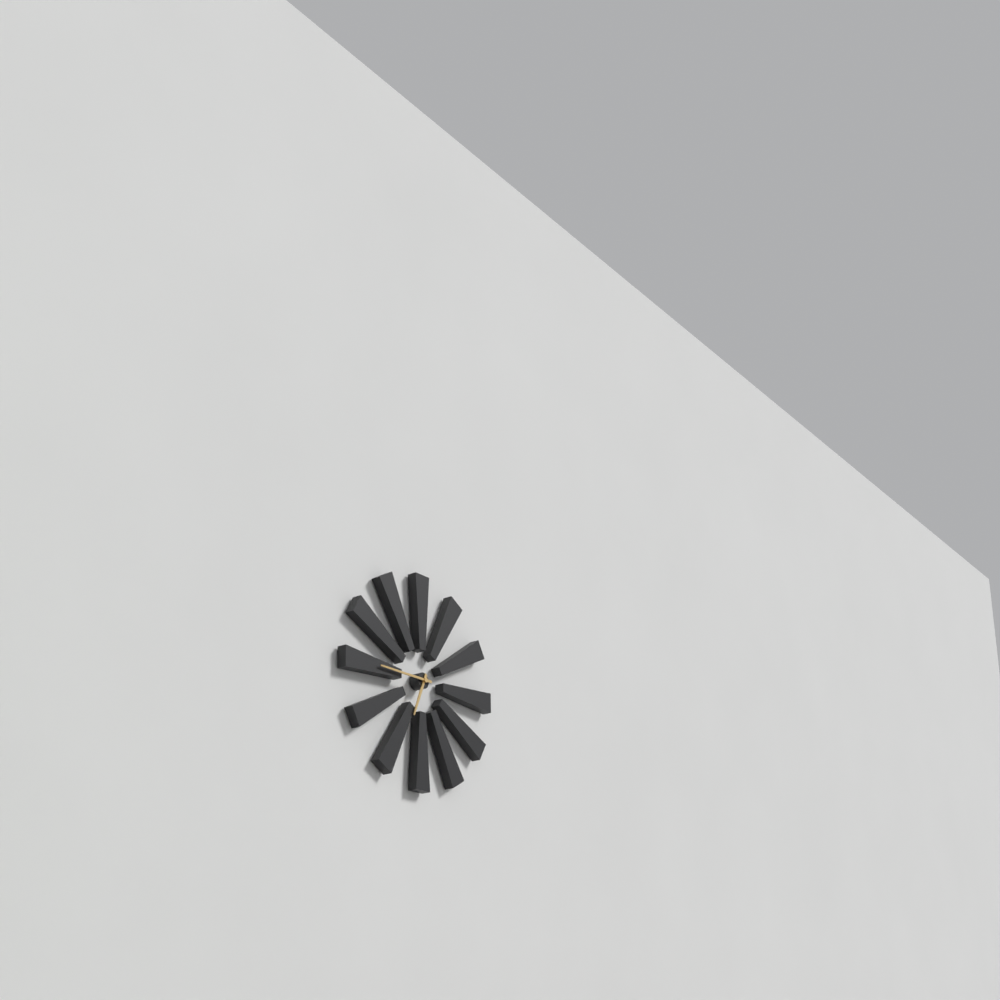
6:45
